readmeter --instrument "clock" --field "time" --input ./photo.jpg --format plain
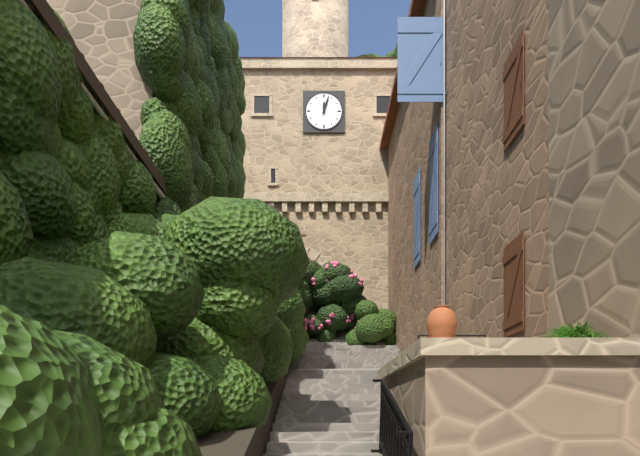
12:03
